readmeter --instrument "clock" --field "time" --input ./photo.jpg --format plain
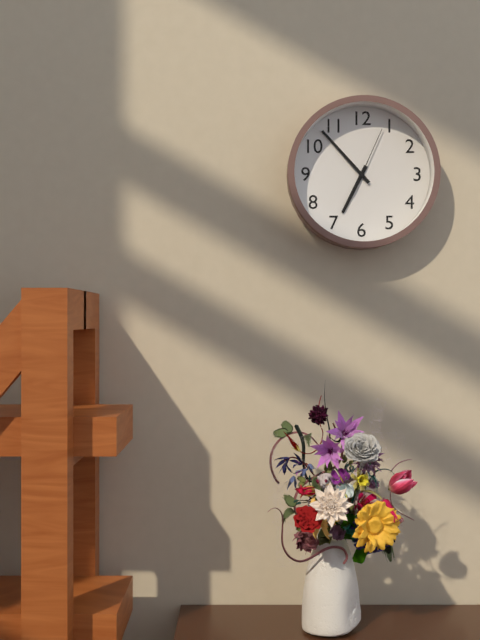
6:53:04
